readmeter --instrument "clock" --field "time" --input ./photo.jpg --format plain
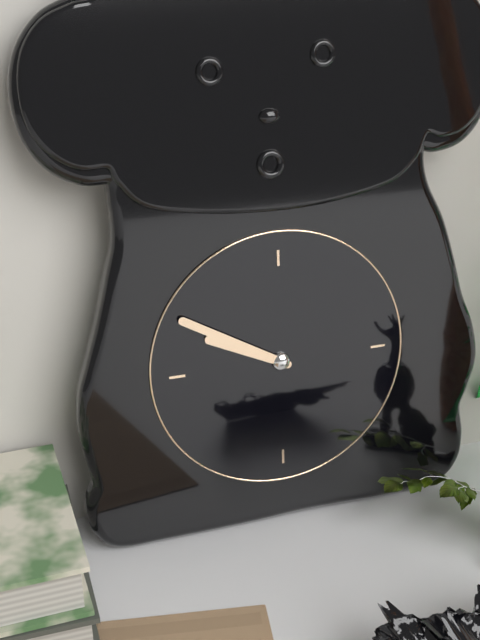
9:50
